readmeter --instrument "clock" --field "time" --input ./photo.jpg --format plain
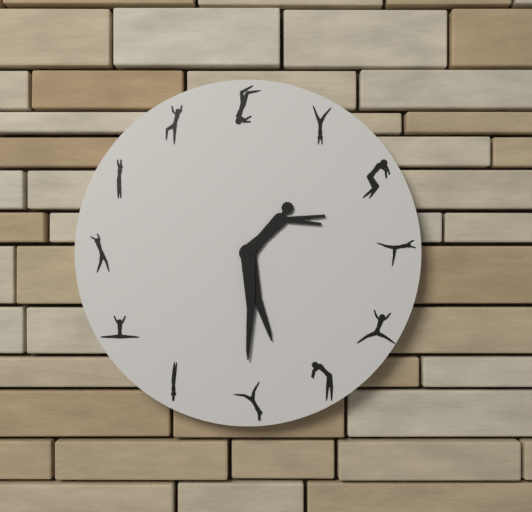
5:30
